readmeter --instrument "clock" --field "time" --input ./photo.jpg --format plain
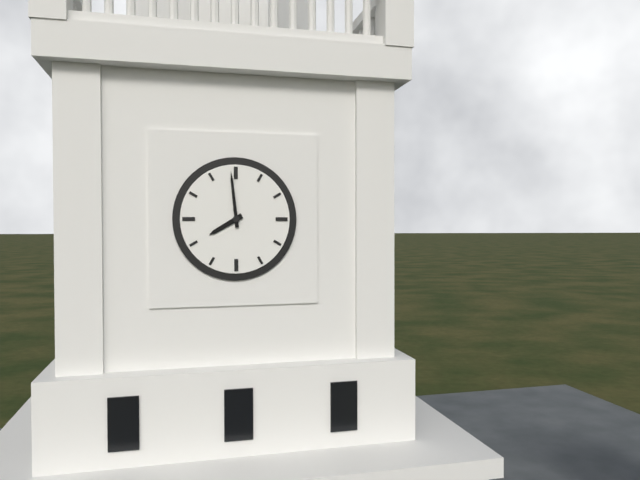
7:59
